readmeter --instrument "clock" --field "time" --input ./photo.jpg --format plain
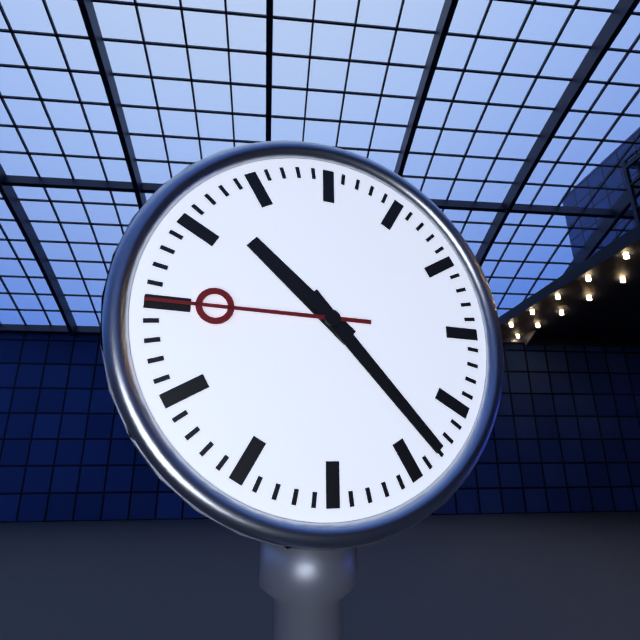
10:23:45
